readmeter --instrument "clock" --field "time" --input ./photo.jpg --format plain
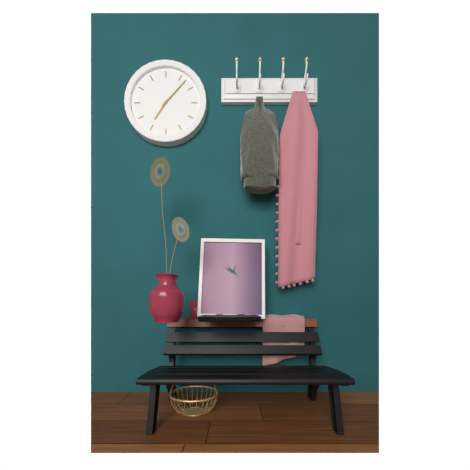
7:07
